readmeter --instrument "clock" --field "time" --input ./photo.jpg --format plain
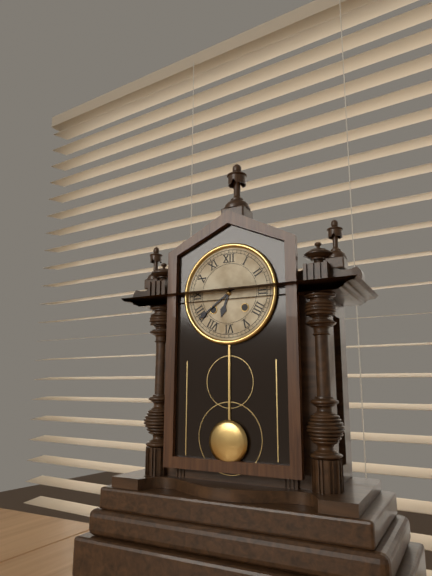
6:39
